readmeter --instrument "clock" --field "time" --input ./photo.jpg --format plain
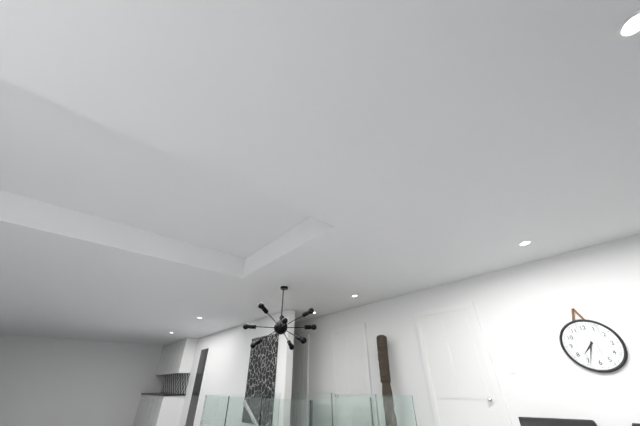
7:34
